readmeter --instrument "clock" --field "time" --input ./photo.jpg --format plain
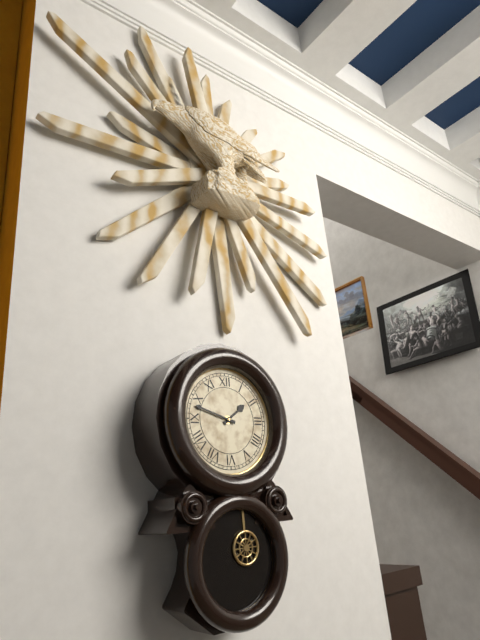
1:48
